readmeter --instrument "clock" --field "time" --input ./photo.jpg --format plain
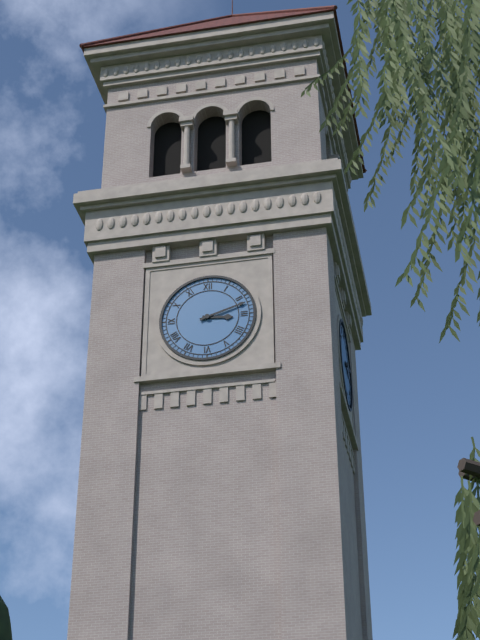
3:12
